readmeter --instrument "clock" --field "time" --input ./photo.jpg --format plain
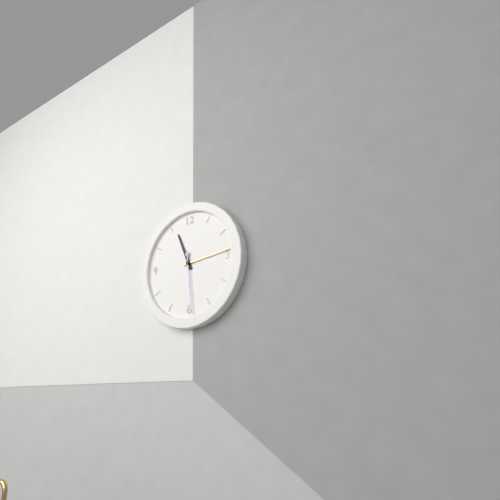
11:14:29
